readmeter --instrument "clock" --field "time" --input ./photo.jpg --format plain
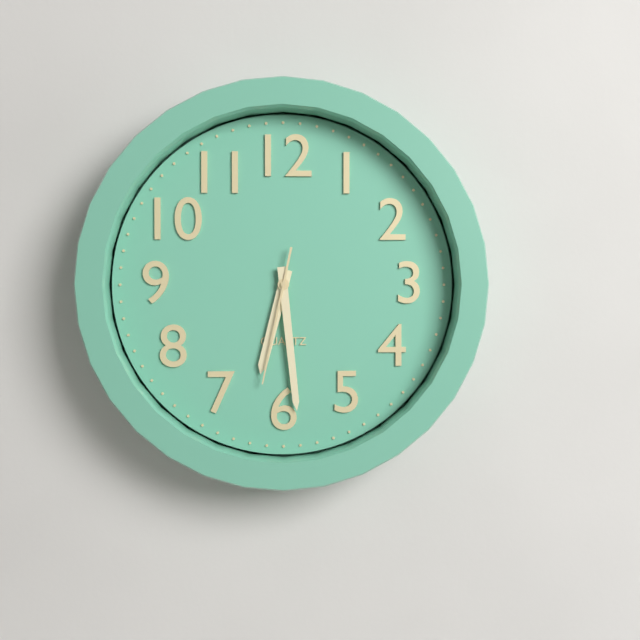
6:29:32
